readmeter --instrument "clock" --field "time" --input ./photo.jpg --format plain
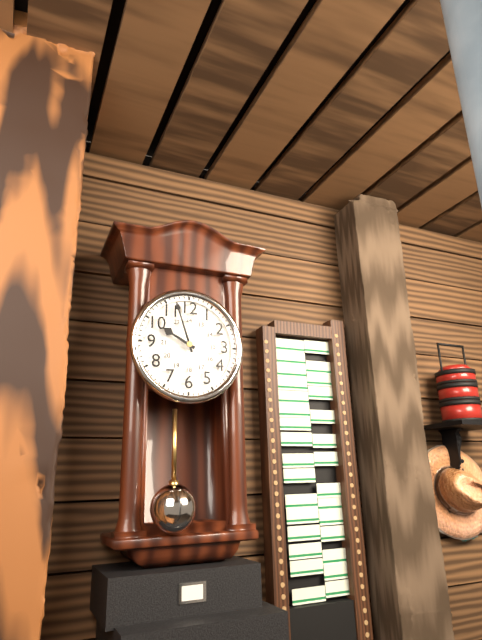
9:57
